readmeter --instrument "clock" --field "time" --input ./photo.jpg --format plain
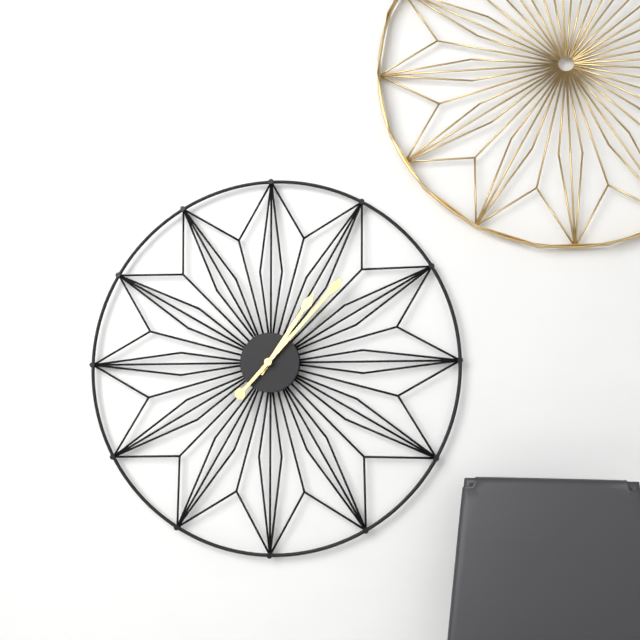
1:07
